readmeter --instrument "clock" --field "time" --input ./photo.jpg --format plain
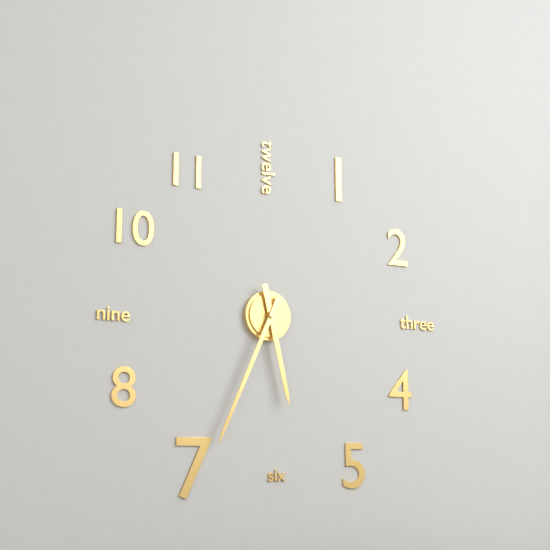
5:34
